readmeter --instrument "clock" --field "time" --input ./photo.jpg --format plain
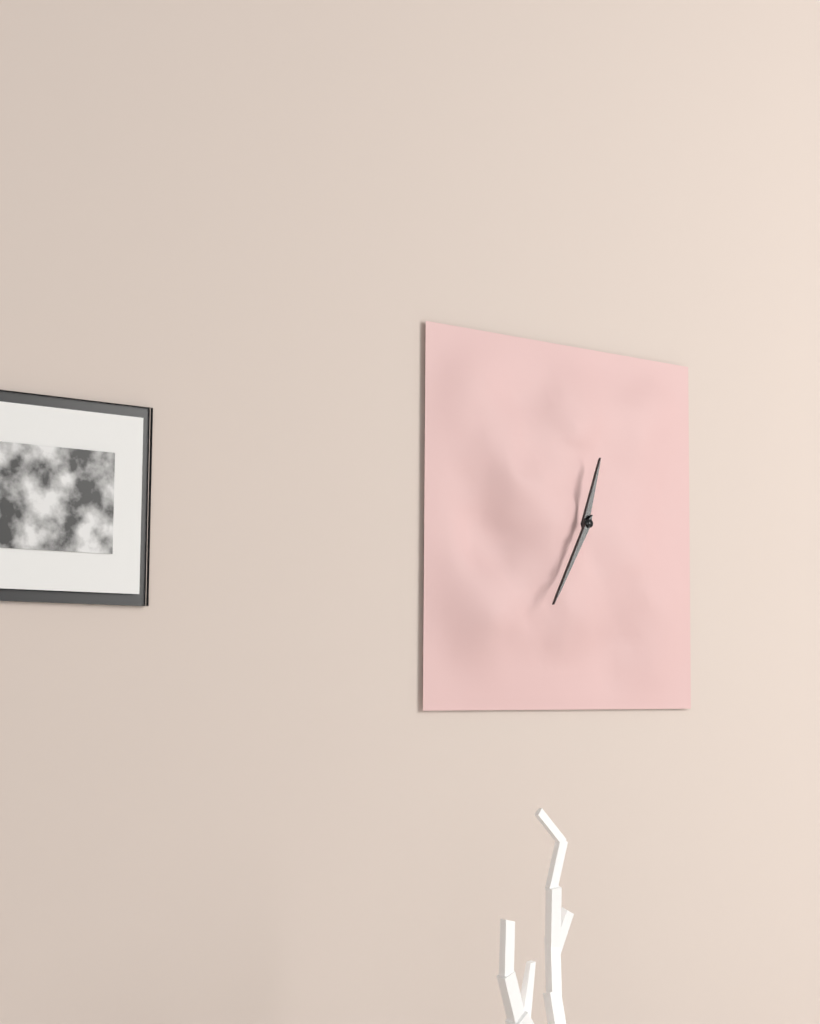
12:35
